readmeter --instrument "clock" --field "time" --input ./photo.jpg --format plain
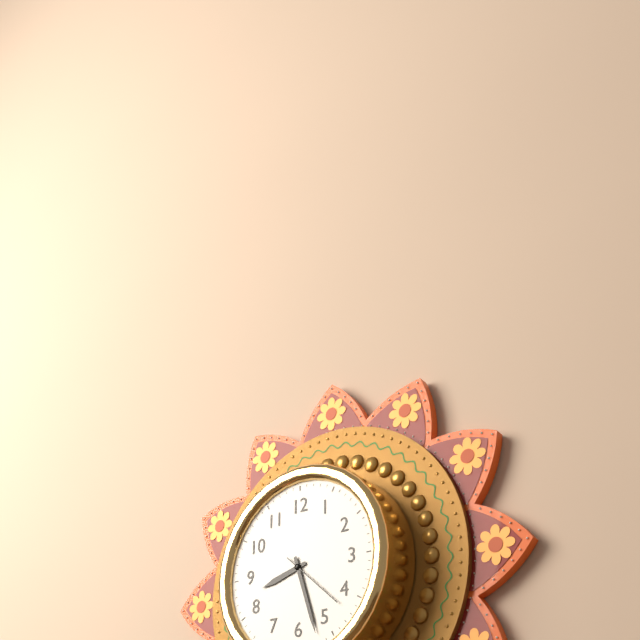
8:27
